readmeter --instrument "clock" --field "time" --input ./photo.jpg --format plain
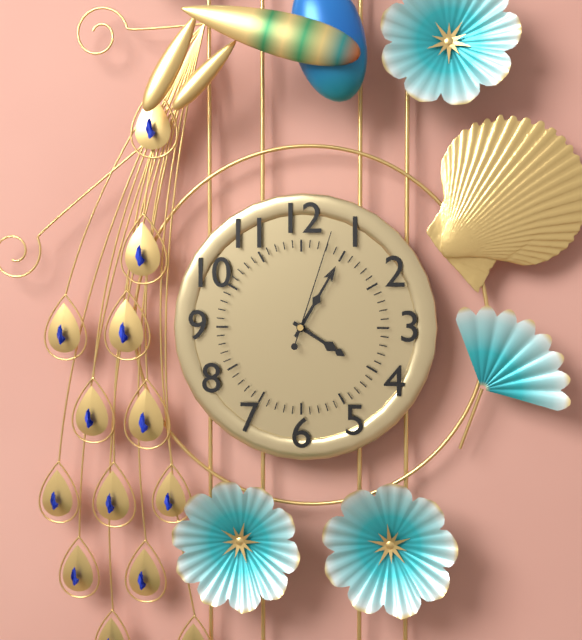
4:05:03
